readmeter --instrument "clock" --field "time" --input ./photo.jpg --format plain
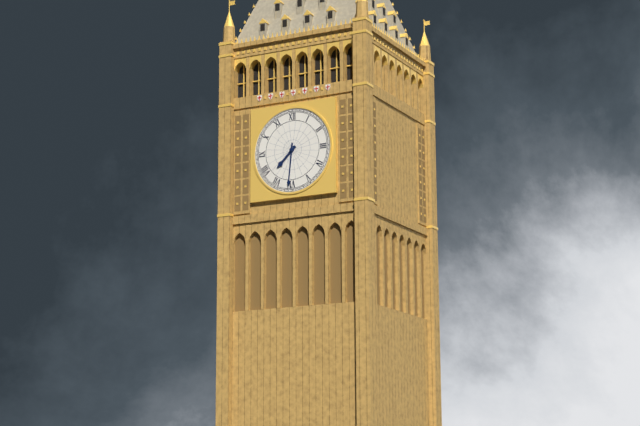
7:31
